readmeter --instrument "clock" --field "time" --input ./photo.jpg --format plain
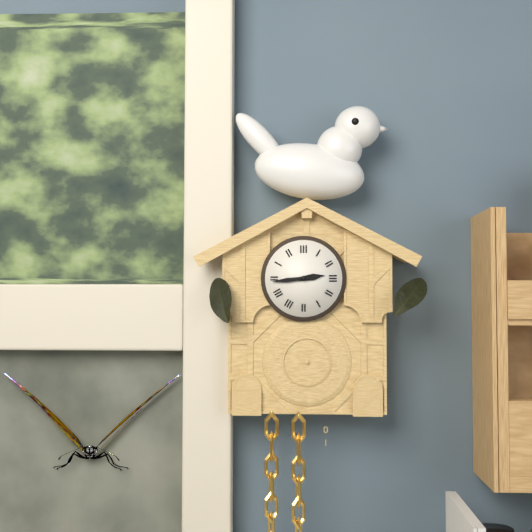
2:44
